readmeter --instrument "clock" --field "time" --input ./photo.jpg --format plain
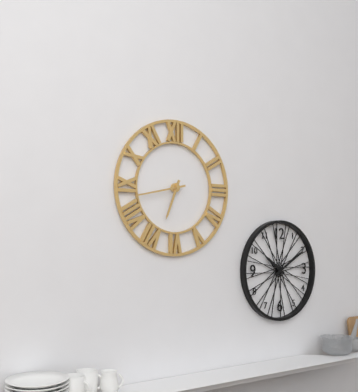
6:43
